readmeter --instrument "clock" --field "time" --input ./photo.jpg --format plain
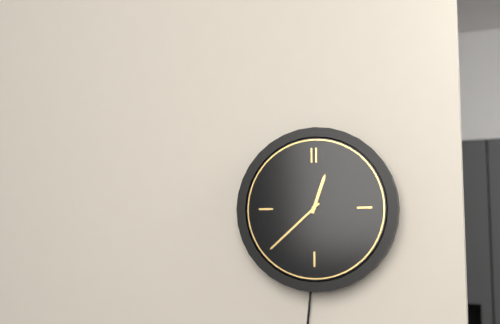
12:38
